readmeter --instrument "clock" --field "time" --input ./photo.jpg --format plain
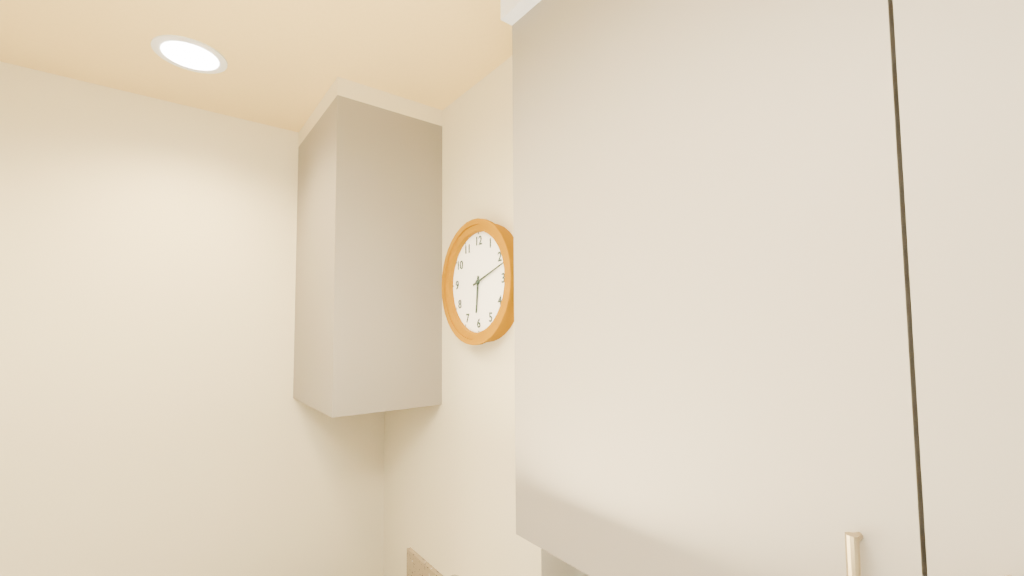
6:12
